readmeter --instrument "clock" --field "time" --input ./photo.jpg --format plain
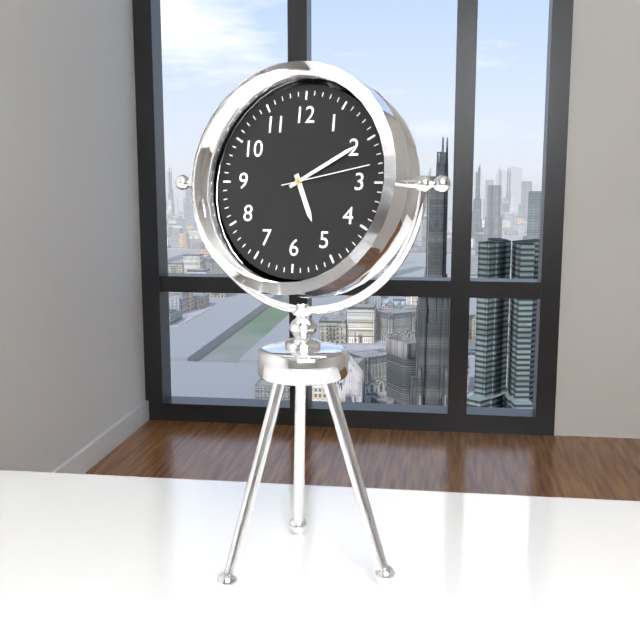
5:10:13
